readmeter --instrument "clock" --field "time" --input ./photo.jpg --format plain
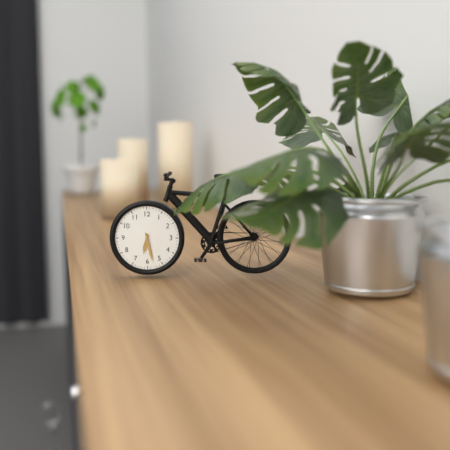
6:28
